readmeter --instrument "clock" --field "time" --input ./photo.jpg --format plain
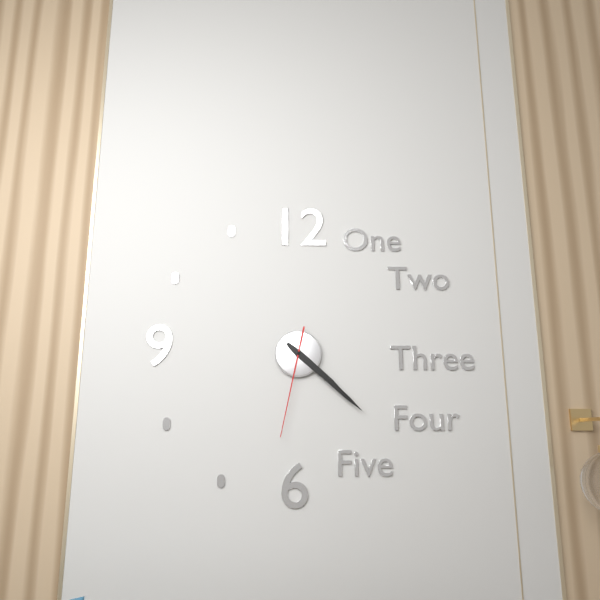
4:22:32
